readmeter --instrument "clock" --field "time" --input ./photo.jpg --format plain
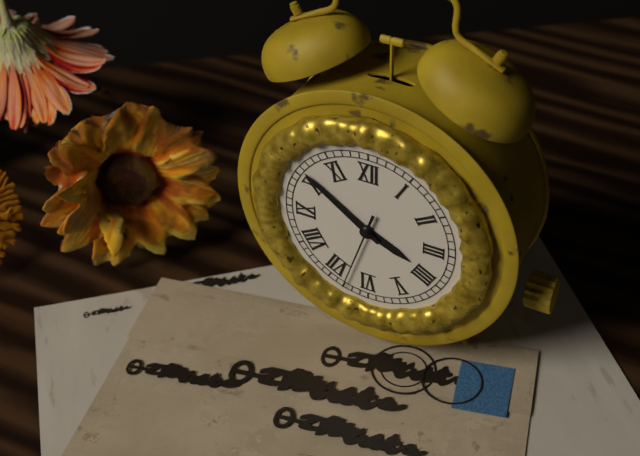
3:51:33
